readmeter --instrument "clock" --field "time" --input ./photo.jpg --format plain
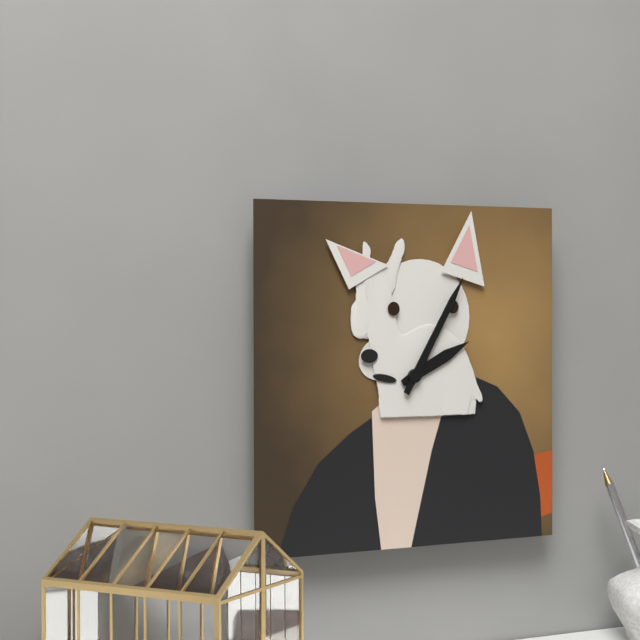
2:05
